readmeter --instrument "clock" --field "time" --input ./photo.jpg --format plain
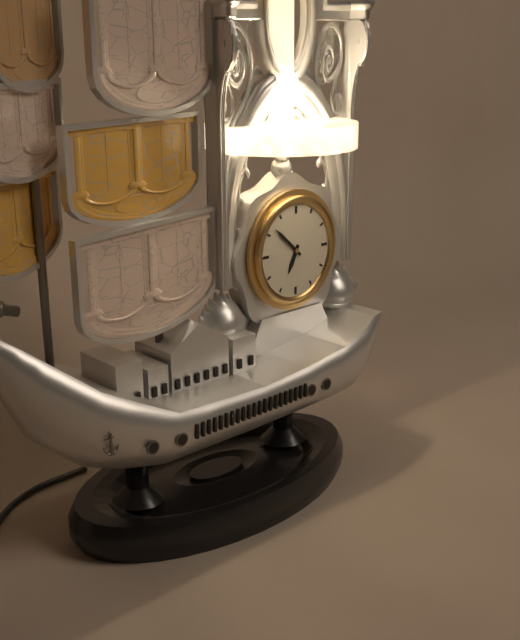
6:52
